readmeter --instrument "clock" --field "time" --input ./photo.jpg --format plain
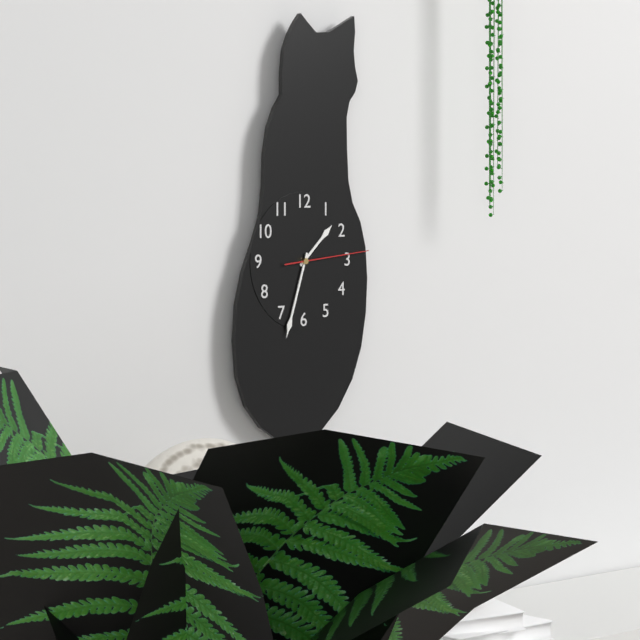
1:33:14
